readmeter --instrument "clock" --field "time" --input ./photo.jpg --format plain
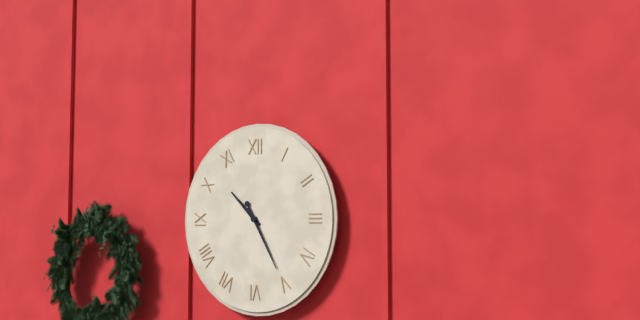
10:25
